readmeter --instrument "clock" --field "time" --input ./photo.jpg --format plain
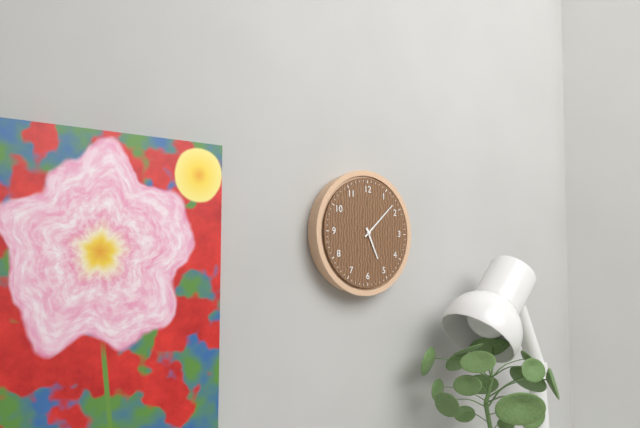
5:08
